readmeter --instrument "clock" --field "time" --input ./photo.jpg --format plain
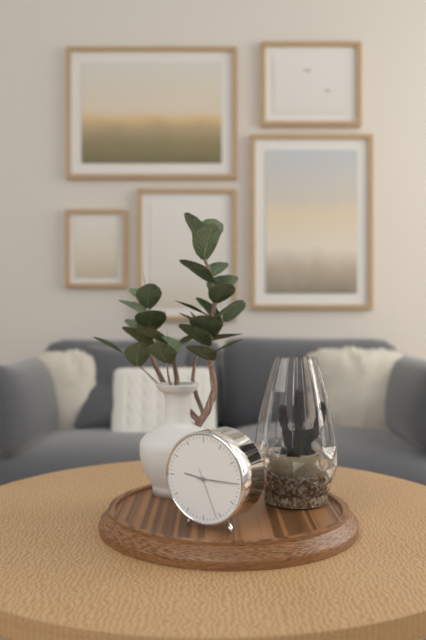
9:15:26
